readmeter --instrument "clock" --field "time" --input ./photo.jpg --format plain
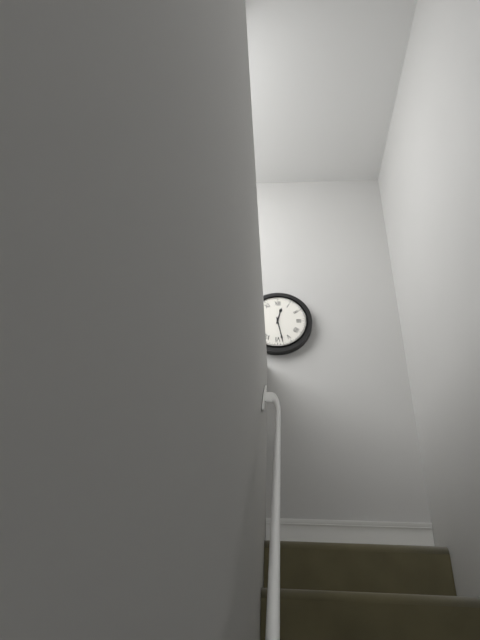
12:28
